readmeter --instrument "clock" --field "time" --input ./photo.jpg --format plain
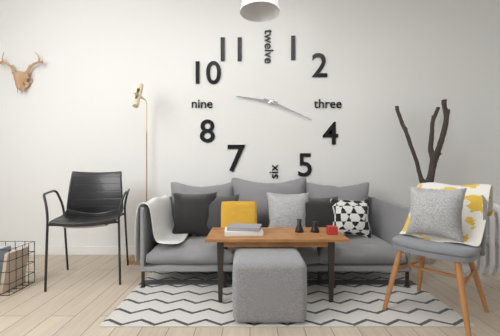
9:19
